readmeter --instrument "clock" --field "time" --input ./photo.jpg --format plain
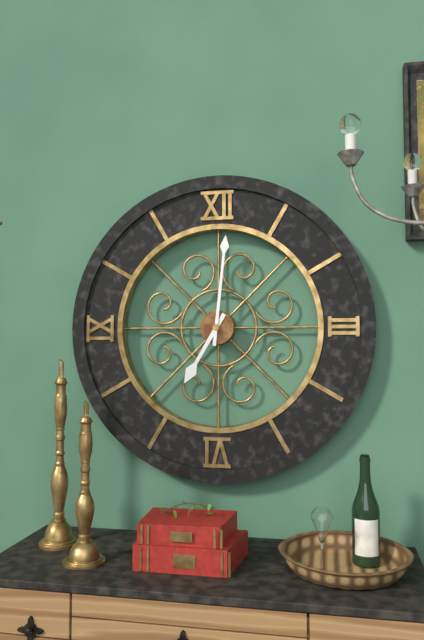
7:01
